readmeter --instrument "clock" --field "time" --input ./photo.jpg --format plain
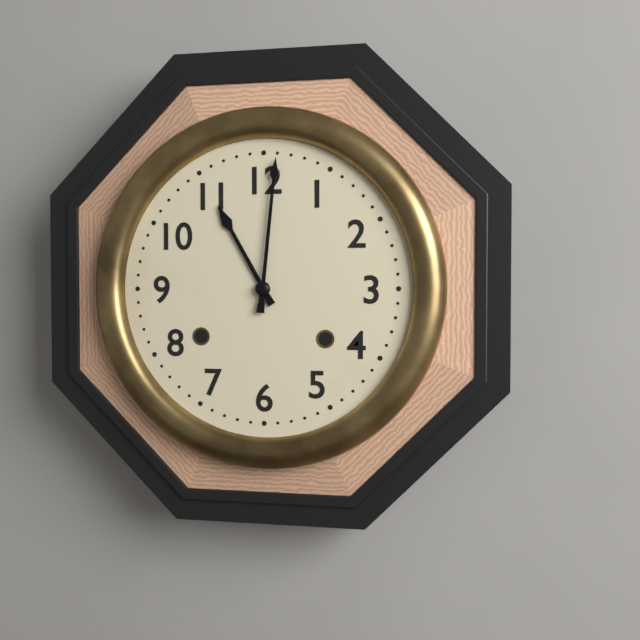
11:01
